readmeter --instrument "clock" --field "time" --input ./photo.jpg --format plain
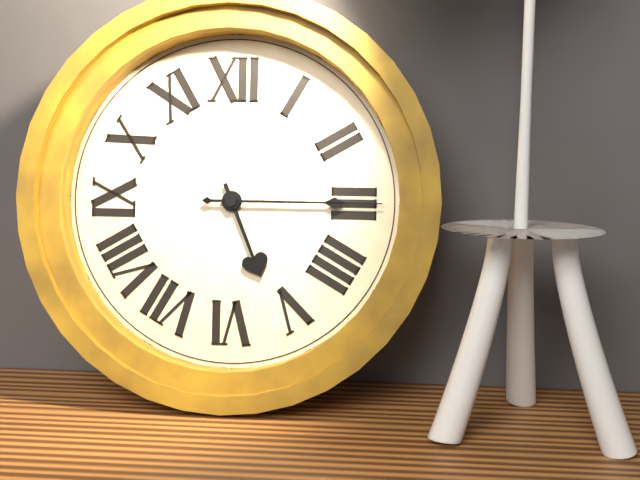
5:15
